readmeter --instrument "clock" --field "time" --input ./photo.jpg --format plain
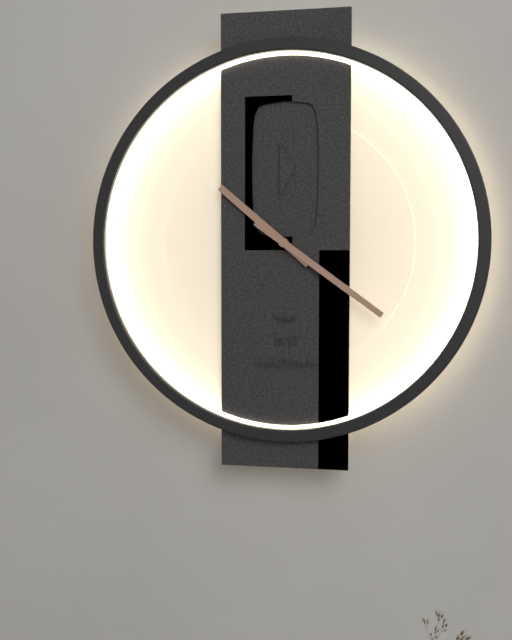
10:21
